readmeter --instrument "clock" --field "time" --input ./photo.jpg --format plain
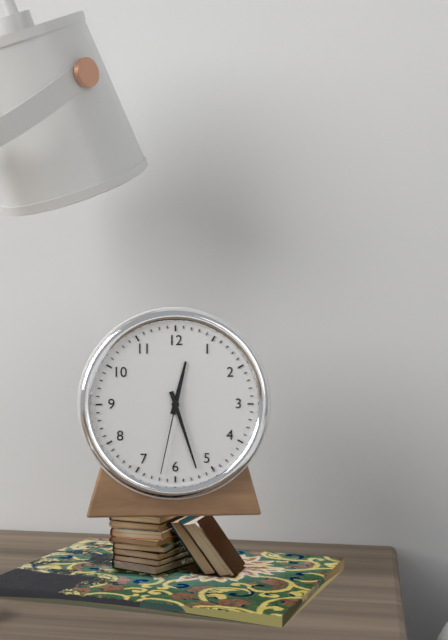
12:27:32
